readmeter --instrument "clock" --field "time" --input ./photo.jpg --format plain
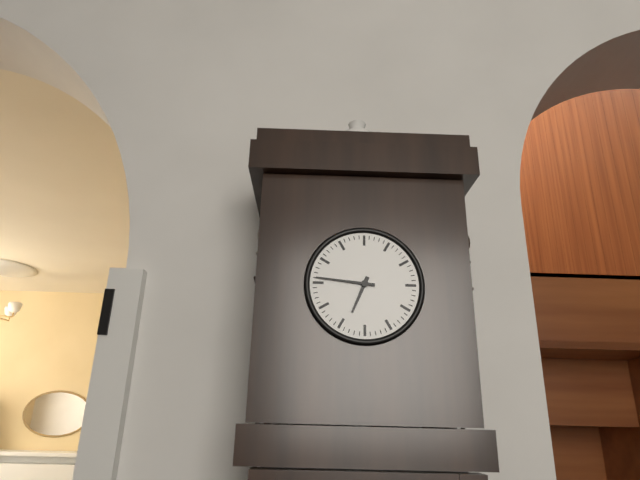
6:46
